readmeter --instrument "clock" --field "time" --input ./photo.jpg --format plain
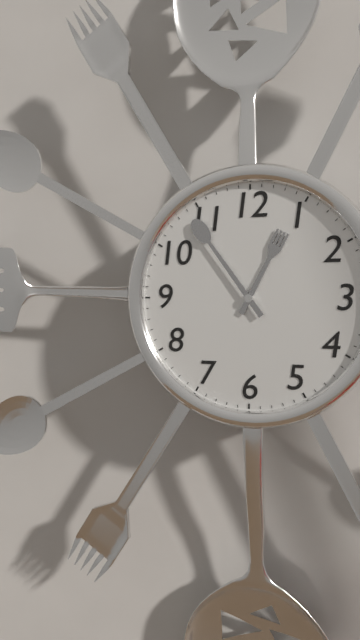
12:54
